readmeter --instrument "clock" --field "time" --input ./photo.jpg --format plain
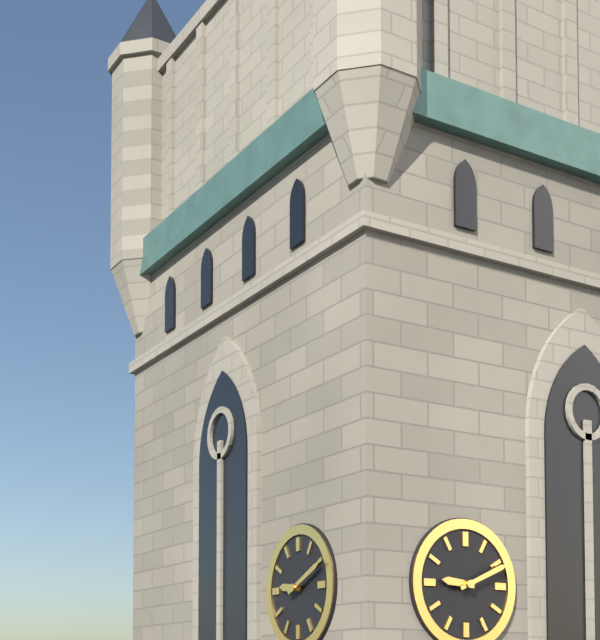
9:11
